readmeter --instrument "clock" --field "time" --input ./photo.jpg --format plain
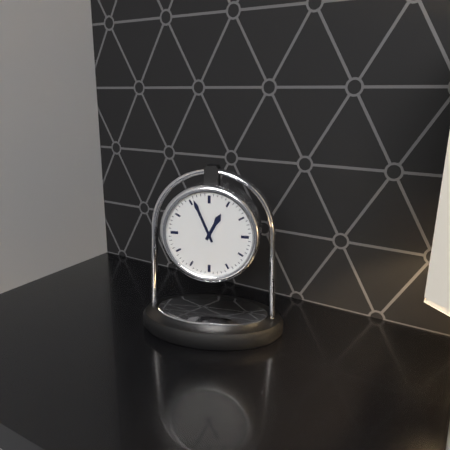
12:56
